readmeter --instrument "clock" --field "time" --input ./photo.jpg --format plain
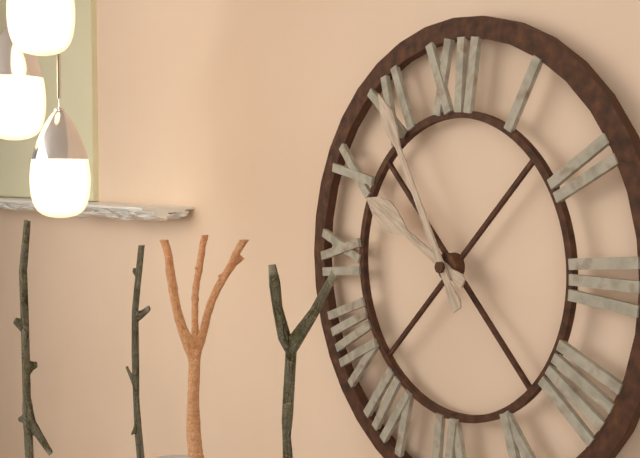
9:55
